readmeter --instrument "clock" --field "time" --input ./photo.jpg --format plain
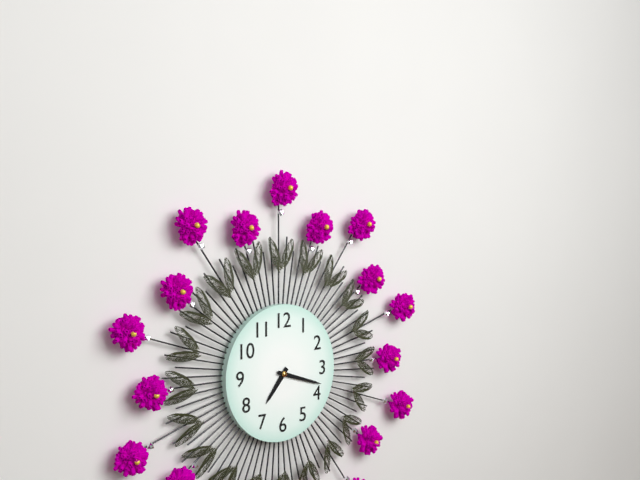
7:18
